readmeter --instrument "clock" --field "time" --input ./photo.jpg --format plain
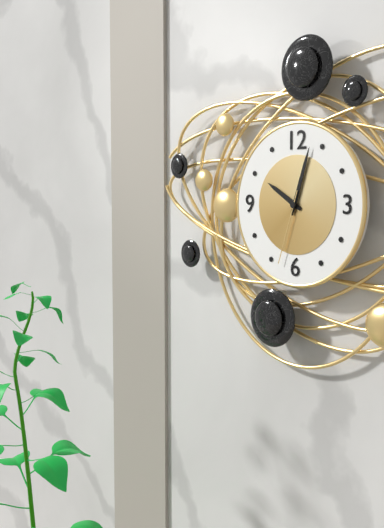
10:03:33
